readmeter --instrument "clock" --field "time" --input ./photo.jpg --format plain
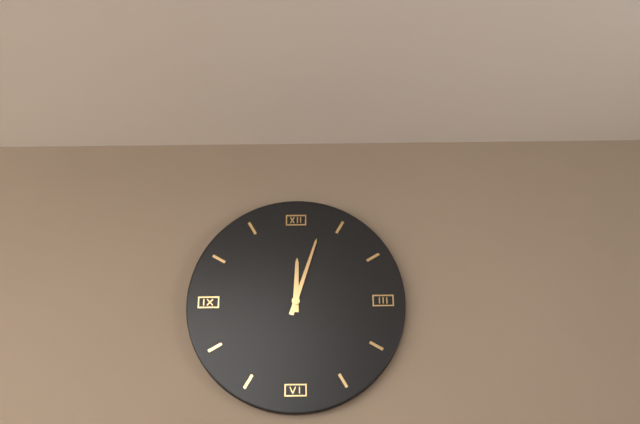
12:03
